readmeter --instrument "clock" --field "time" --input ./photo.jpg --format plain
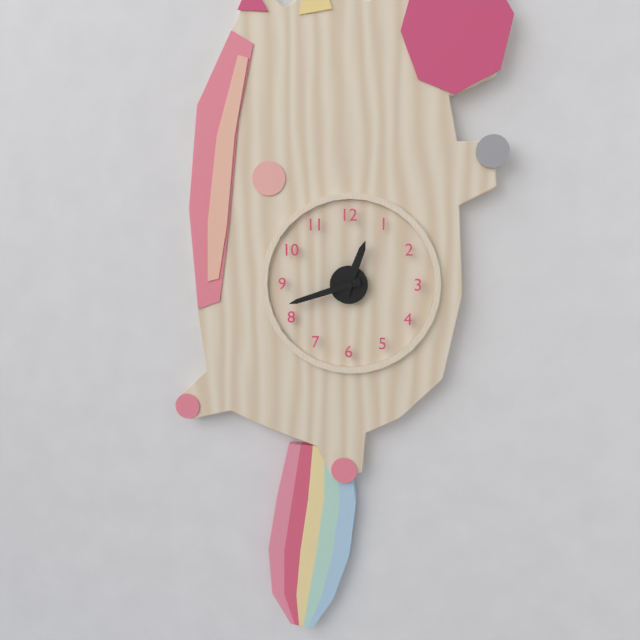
12:42
